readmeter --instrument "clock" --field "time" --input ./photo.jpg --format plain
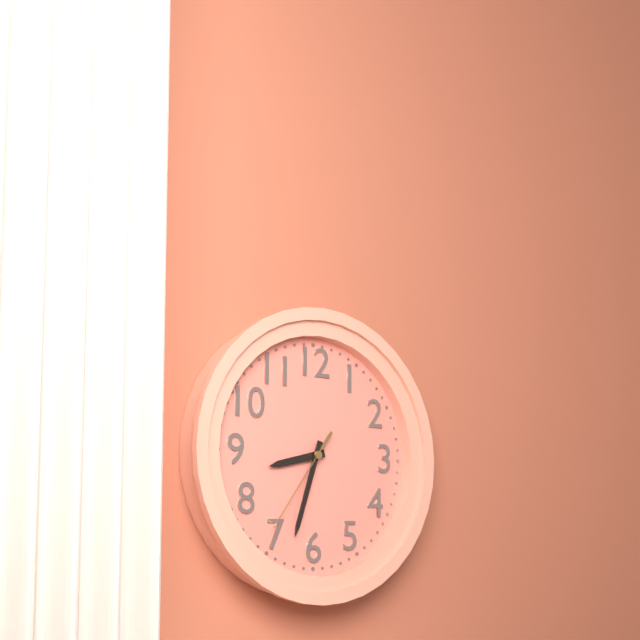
8:33:36
